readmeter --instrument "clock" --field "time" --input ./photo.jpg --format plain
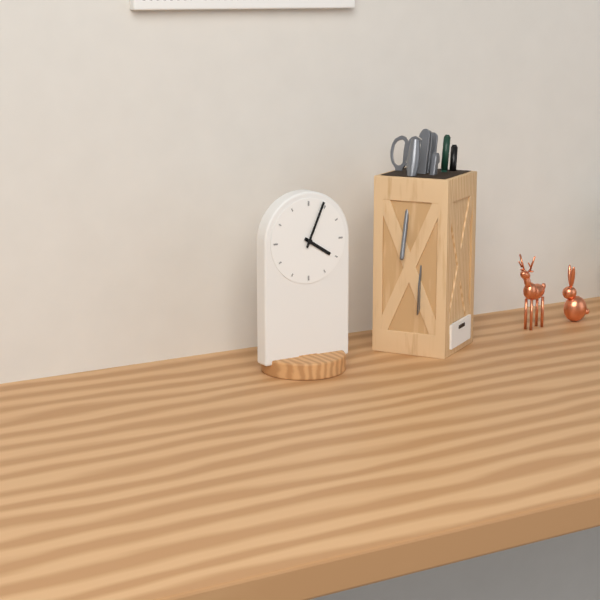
4:04
